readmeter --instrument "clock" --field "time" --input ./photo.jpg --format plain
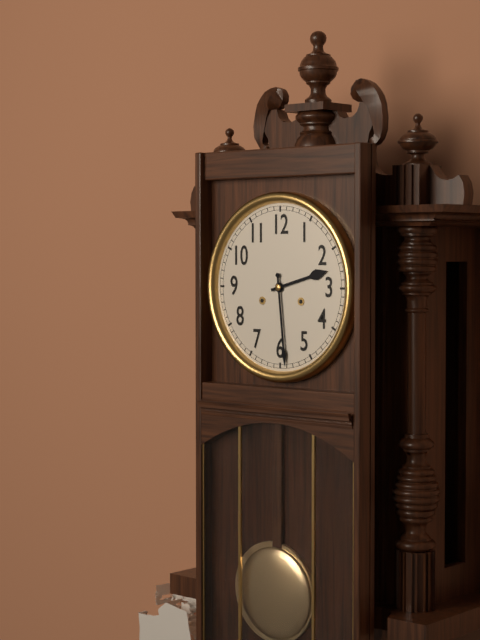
2:29
